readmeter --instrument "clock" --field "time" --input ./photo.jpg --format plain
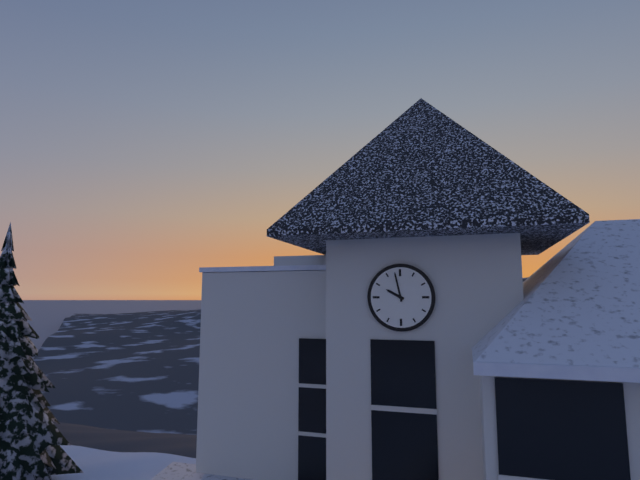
9:58
